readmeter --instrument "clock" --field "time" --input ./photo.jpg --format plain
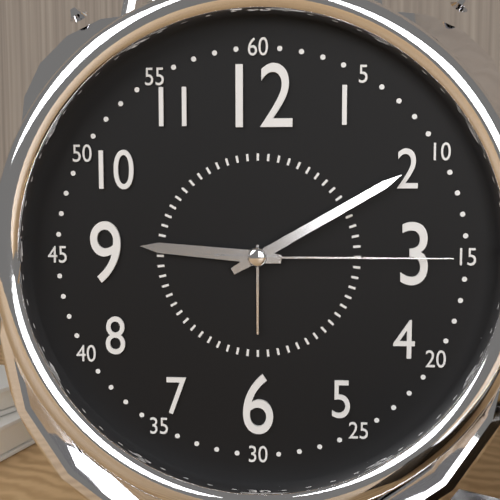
9:10:15
